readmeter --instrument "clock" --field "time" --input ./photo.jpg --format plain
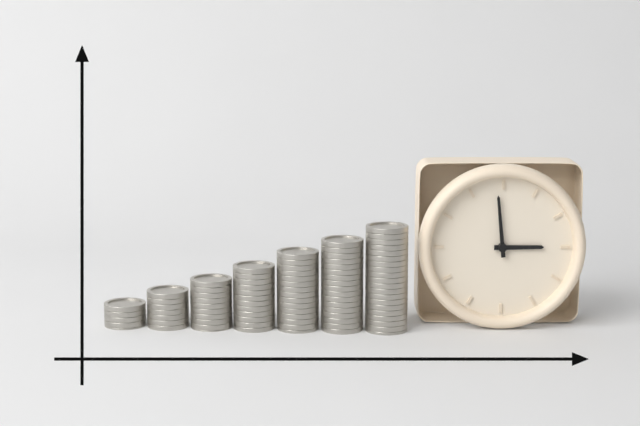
2:59
